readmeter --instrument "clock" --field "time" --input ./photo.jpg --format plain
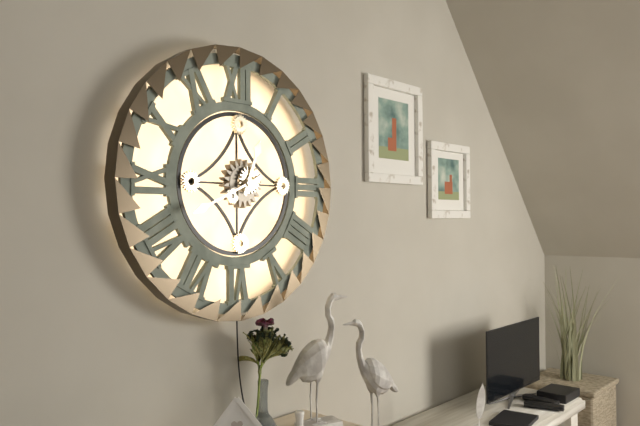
12:41
